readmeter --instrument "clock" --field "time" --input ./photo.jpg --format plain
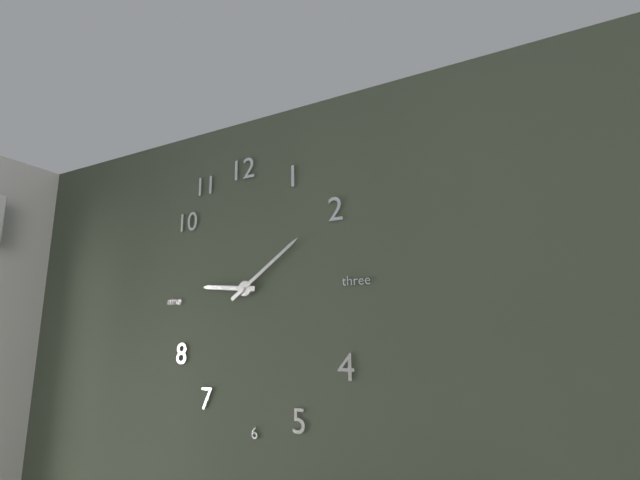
9:09
